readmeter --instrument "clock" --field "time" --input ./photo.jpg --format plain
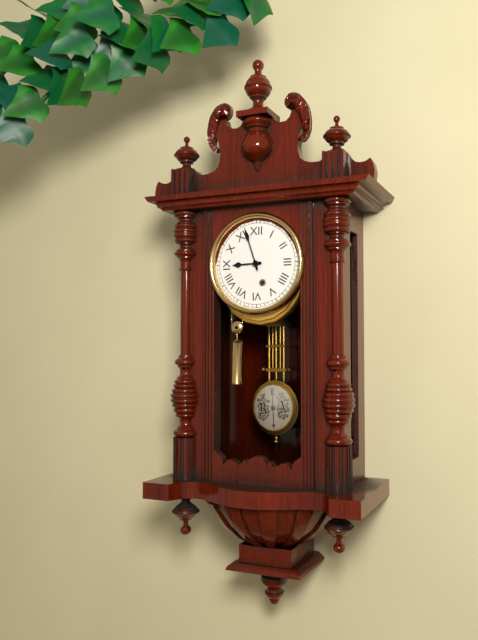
8:57
